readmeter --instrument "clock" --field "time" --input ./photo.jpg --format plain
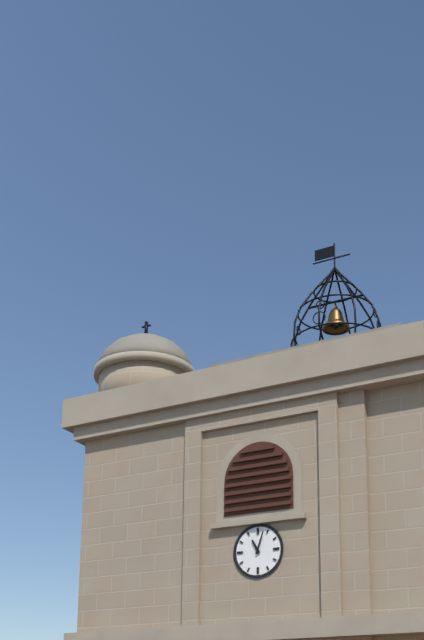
11:03
